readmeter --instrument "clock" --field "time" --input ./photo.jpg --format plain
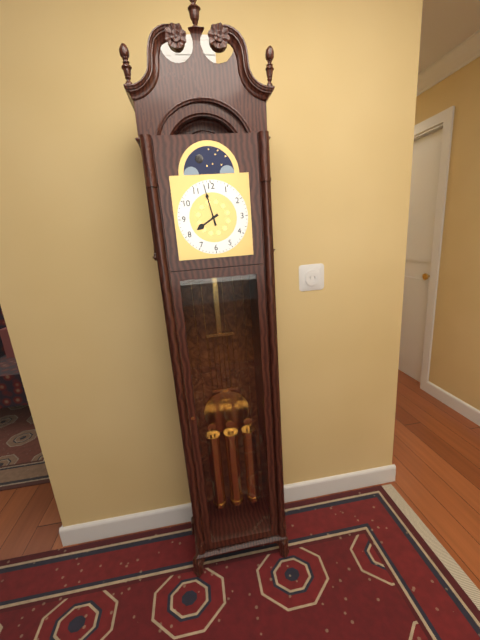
7:58
